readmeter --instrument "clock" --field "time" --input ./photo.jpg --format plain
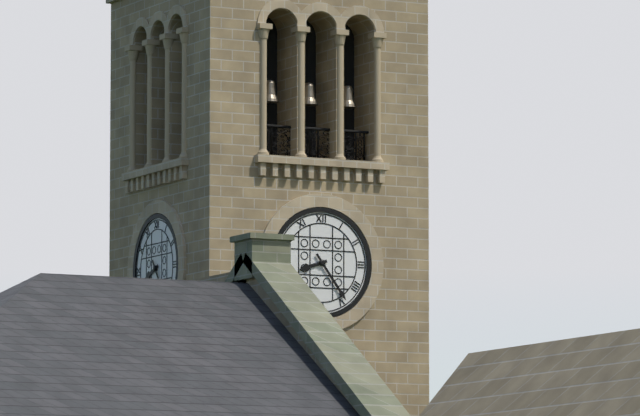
8:24
